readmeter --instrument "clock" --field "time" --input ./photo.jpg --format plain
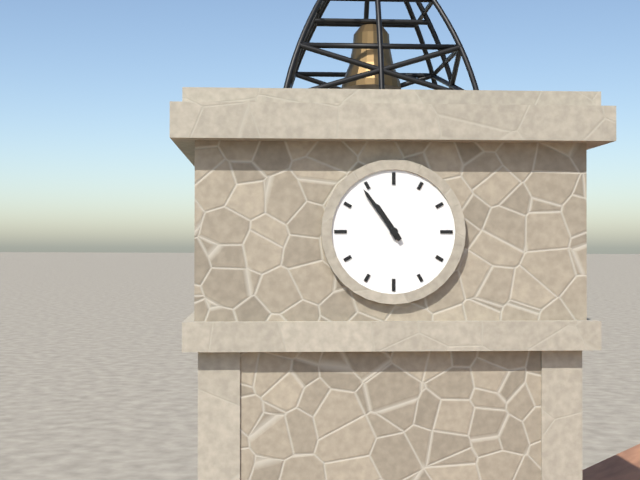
10:54
